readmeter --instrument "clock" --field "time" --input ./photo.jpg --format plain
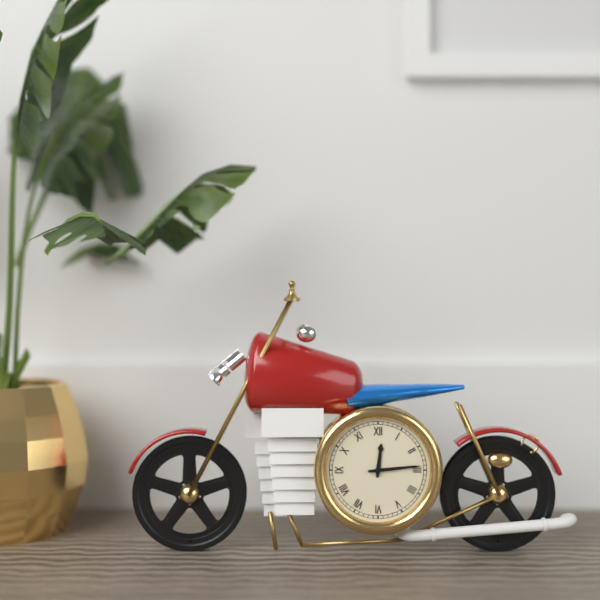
12:14
